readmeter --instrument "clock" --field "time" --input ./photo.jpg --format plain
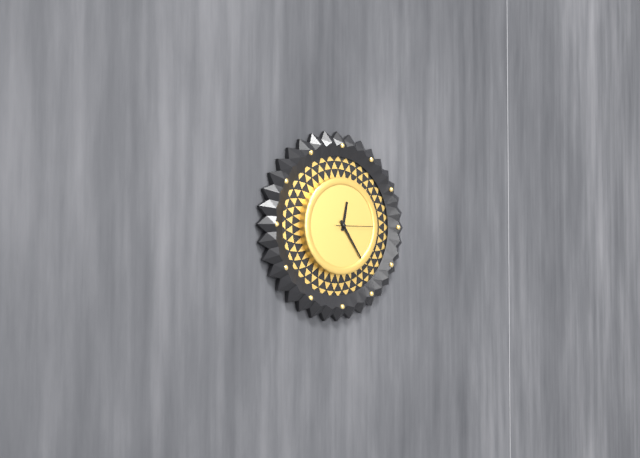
12:24
